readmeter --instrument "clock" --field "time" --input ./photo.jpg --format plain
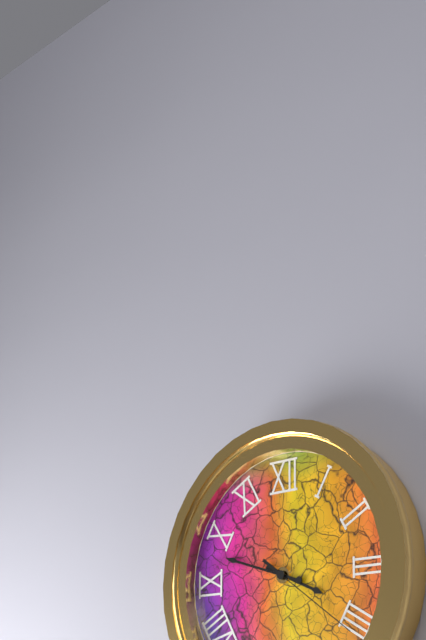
3:48:21
